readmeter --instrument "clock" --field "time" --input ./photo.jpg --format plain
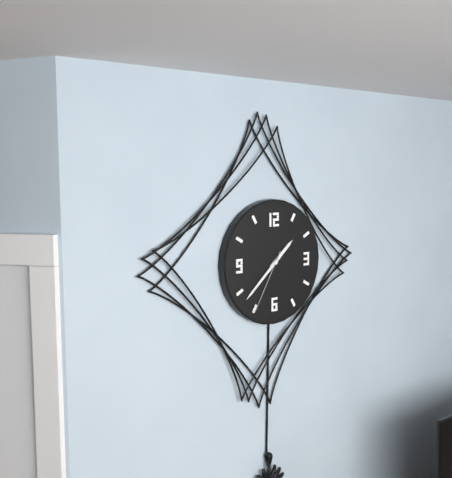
1:38:35
